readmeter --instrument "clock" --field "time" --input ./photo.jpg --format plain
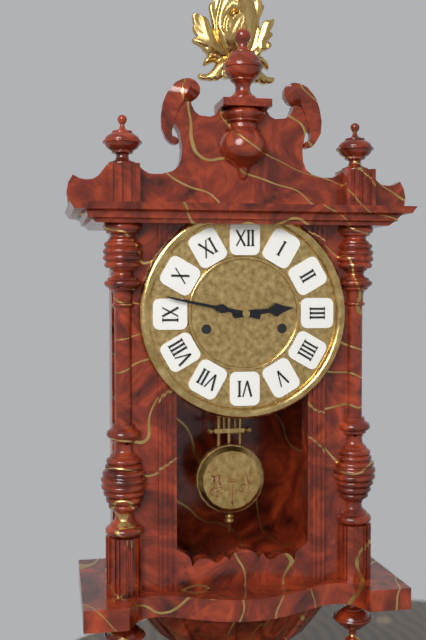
2:47
